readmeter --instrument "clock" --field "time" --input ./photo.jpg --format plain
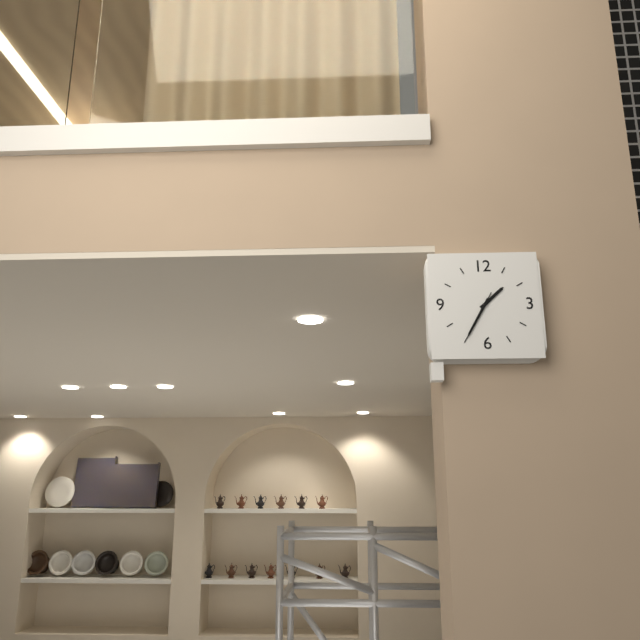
1:35
